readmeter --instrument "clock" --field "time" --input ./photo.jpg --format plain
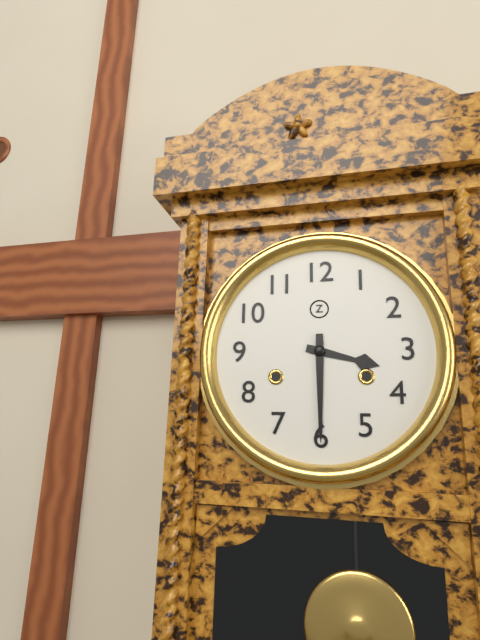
3:30
